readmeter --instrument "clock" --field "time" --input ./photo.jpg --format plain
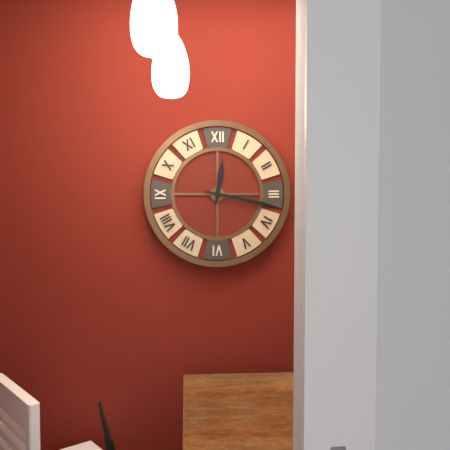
12:17
